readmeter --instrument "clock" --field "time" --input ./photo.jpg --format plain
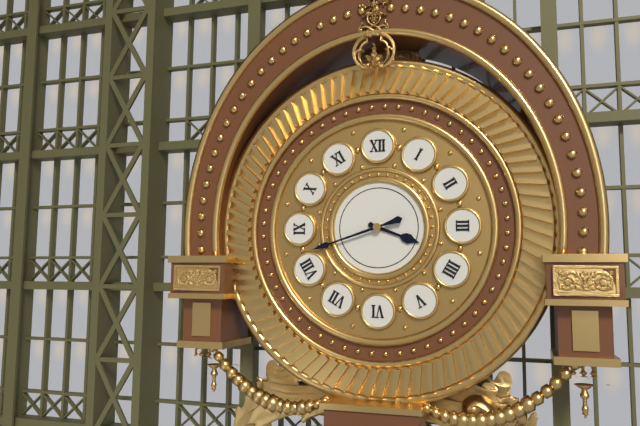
3:42
